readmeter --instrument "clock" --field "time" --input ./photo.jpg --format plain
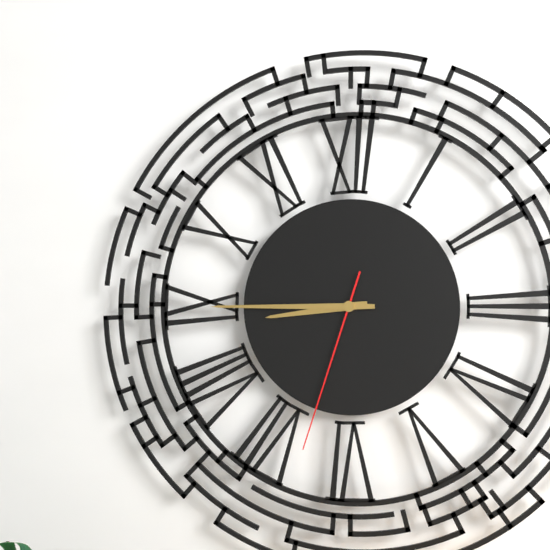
8:45:33
